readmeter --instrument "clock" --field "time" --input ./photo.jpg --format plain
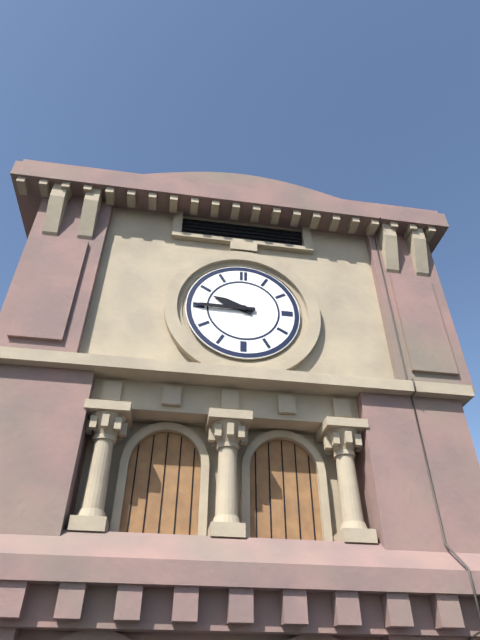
9:45
